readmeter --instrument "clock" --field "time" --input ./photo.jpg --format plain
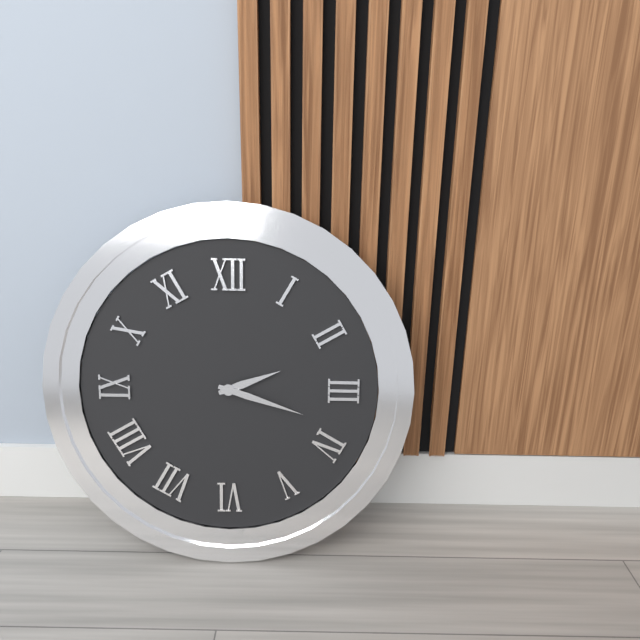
2:18
